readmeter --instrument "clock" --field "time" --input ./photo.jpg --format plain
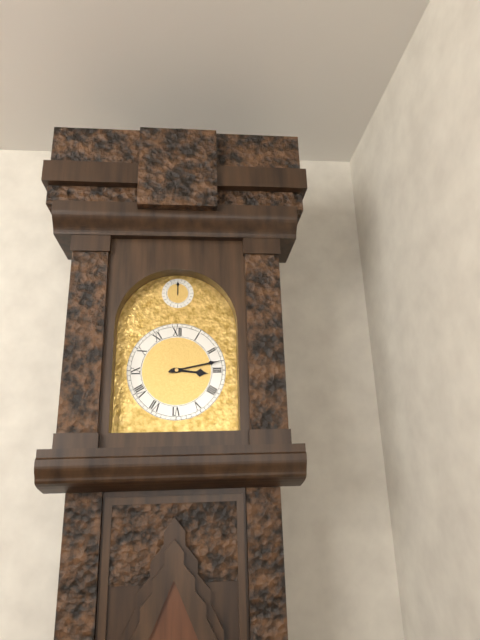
3:13
